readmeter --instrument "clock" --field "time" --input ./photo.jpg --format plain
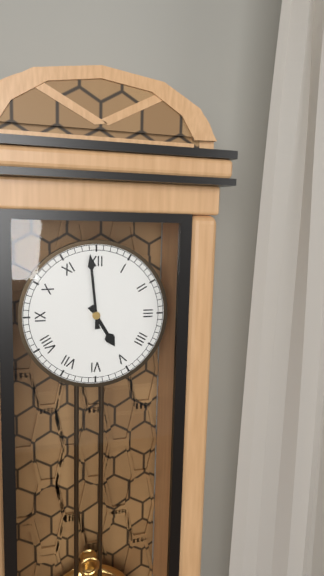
4:59
